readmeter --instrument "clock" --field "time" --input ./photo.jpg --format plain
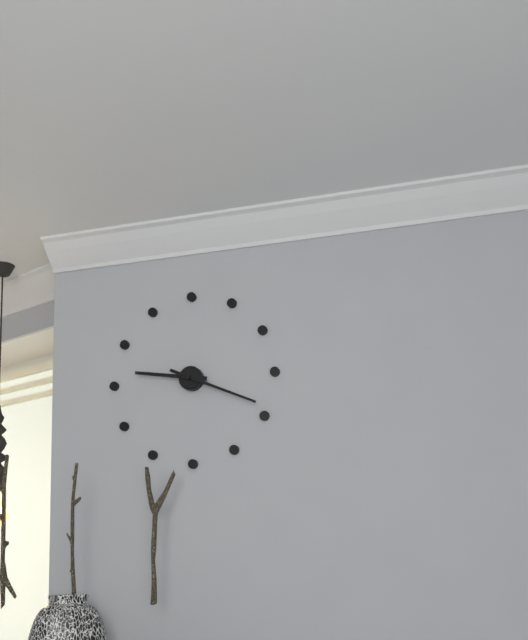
9:19
